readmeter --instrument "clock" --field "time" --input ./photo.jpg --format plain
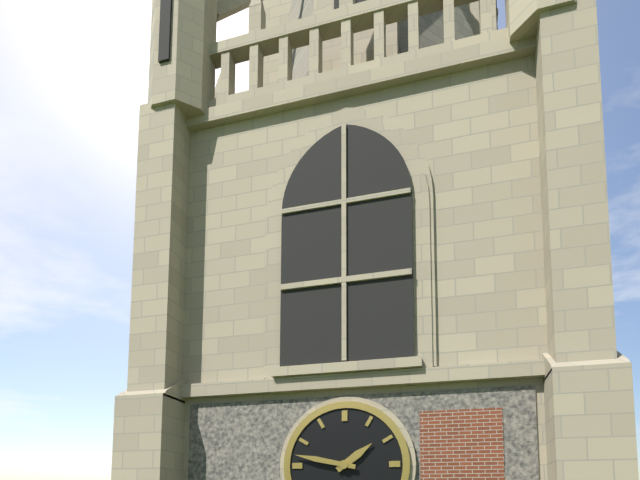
1:47
